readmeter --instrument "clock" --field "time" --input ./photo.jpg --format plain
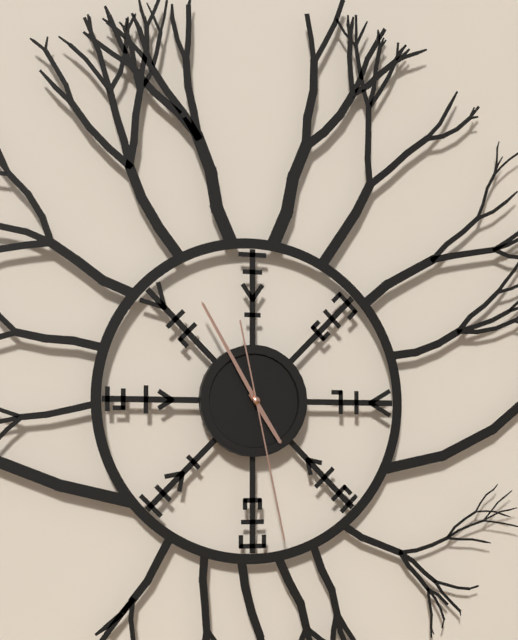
4:55:28
